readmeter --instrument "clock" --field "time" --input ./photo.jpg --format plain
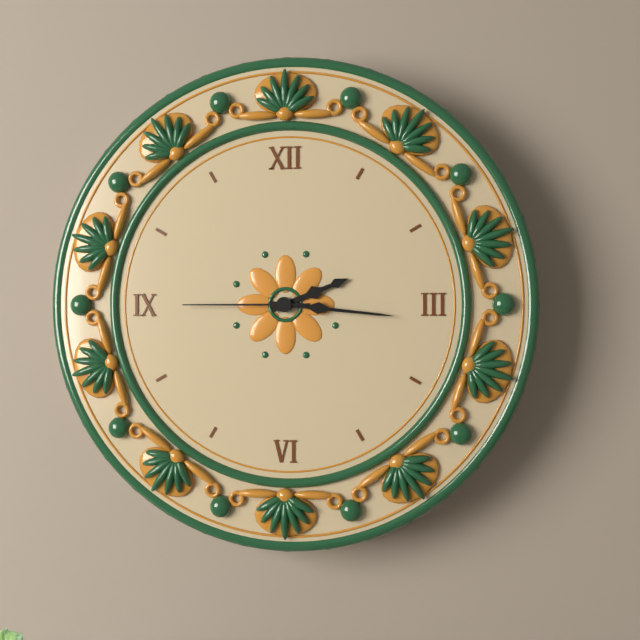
2:16:45
